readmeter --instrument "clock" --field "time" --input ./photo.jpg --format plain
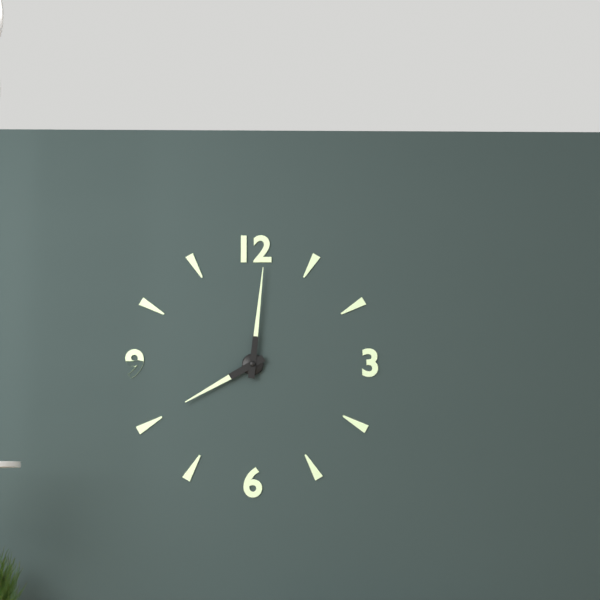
8:01
